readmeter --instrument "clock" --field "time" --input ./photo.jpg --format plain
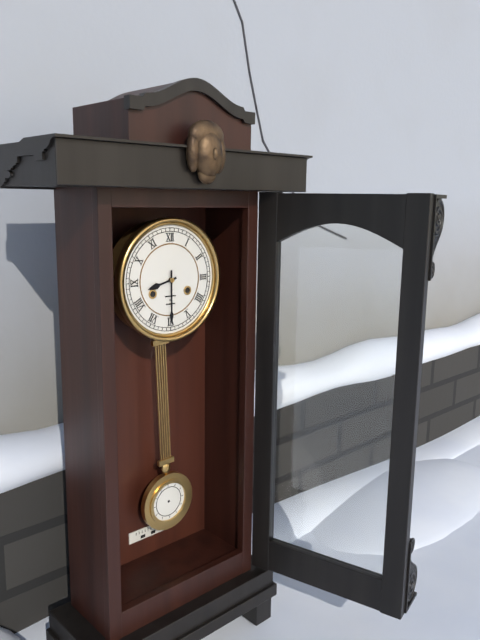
8:30
